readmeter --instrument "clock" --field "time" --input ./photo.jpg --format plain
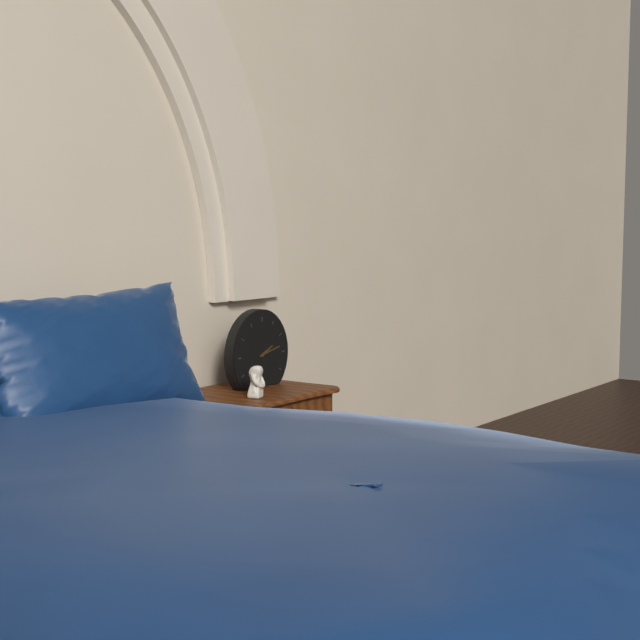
2:13
